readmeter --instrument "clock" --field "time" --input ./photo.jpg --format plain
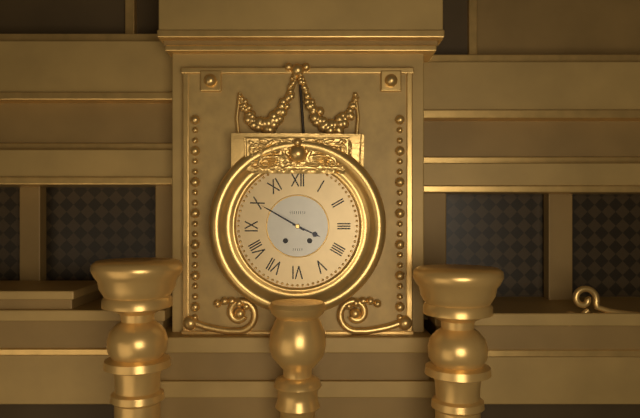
3:50
